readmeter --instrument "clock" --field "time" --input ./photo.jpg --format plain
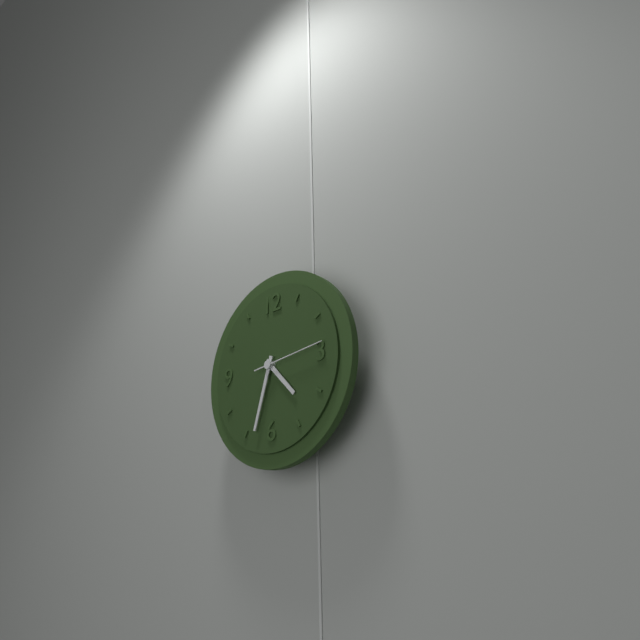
4:33:14
